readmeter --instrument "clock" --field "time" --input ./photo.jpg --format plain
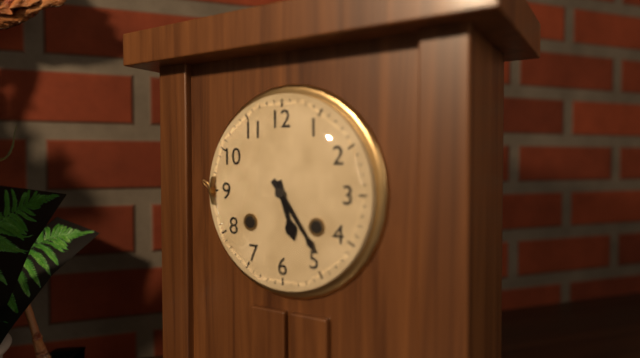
5:24
